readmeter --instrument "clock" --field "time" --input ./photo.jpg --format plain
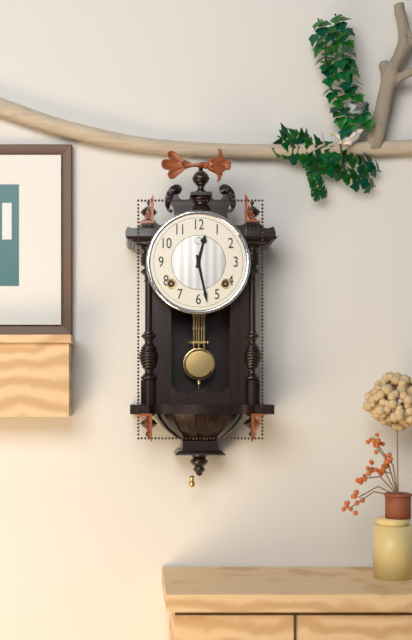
12:28
